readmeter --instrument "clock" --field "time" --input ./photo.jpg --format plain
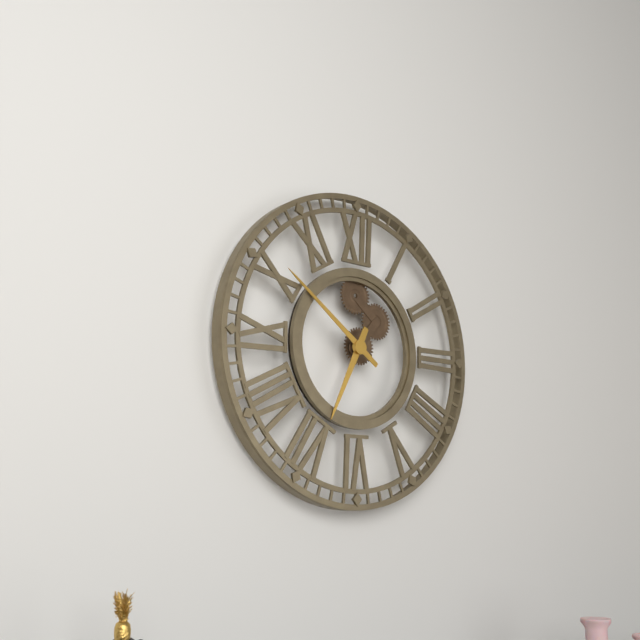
6:51
